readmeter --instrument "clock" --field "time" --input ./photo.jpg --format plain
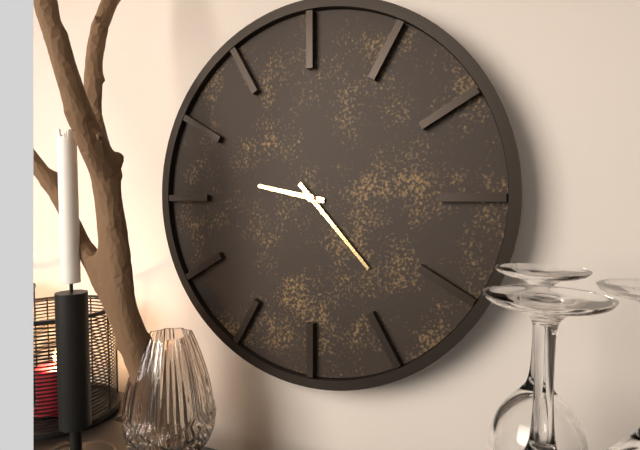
9:23
